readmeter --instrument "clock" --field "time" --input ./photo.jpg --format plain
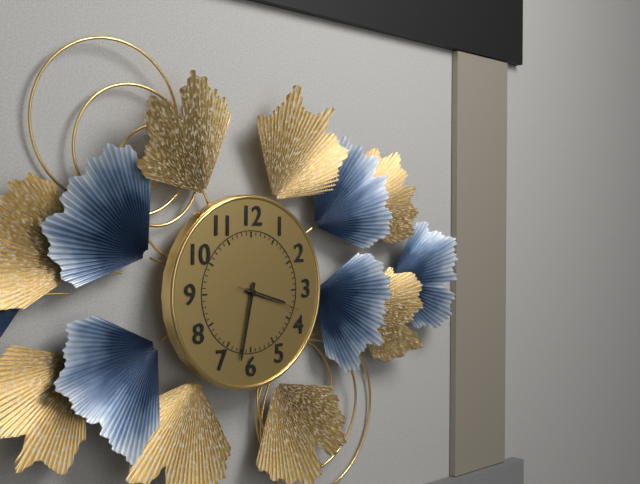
3:32:18
